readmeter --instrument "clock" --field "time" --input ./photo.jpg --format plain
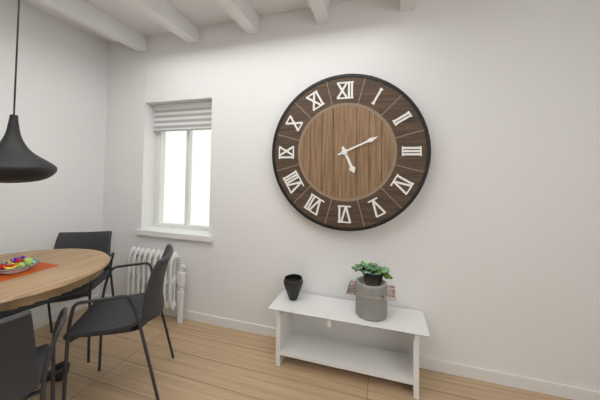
5:11
